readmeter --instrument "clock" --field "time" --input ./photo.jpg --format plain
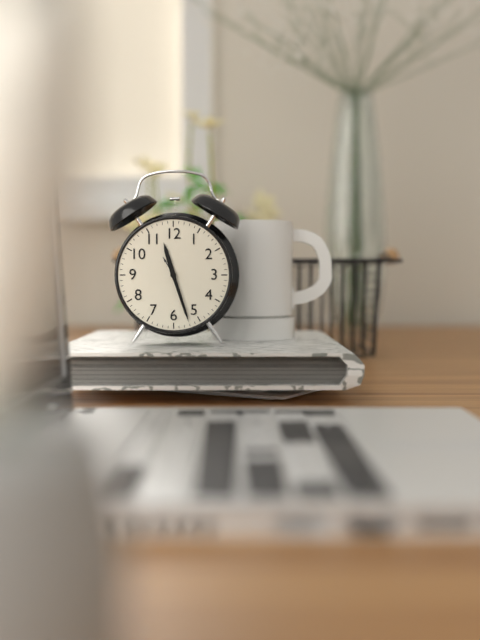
11:27
